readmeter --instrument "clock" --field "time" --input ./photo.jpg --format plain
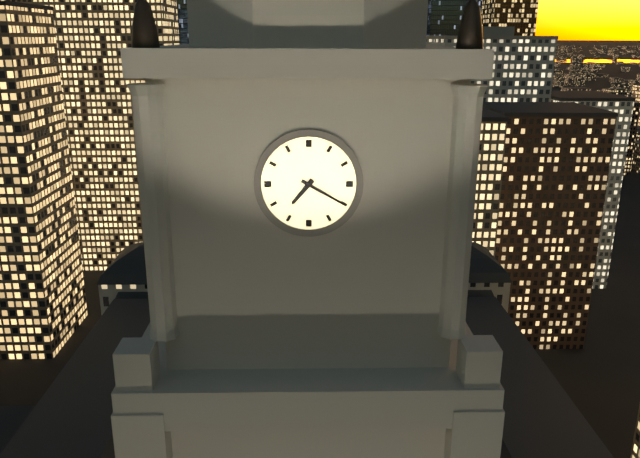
7:20
